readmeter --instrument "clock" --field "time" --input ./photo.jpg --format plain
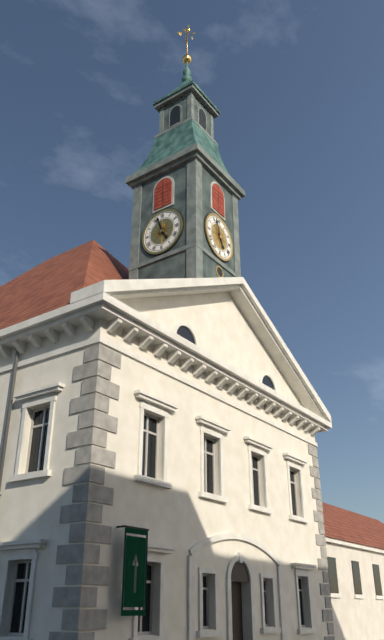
4:57
